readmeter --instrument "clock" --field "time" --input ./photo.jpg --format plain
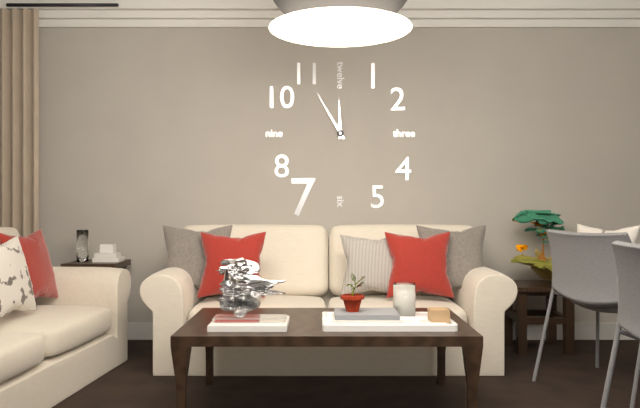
11:55
